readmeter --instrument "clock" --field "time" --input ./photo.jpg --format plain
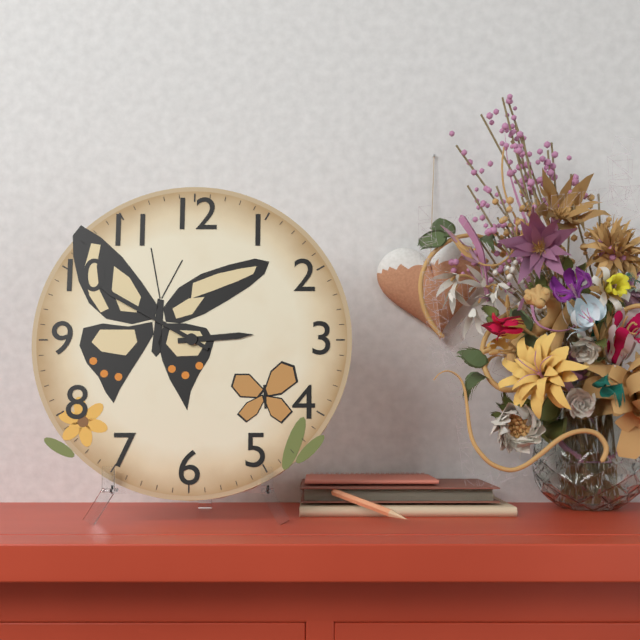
2:50
